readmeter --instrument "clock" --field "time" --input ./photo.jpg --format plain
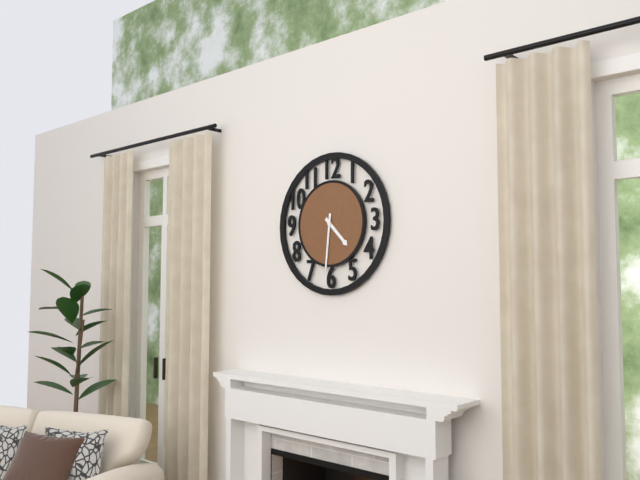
4:31
